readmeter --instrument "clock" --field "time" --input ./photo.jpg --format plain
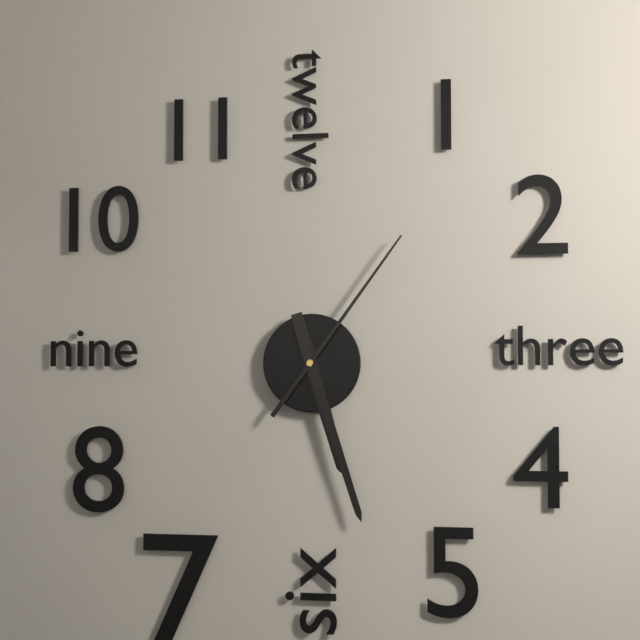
5:27:06
